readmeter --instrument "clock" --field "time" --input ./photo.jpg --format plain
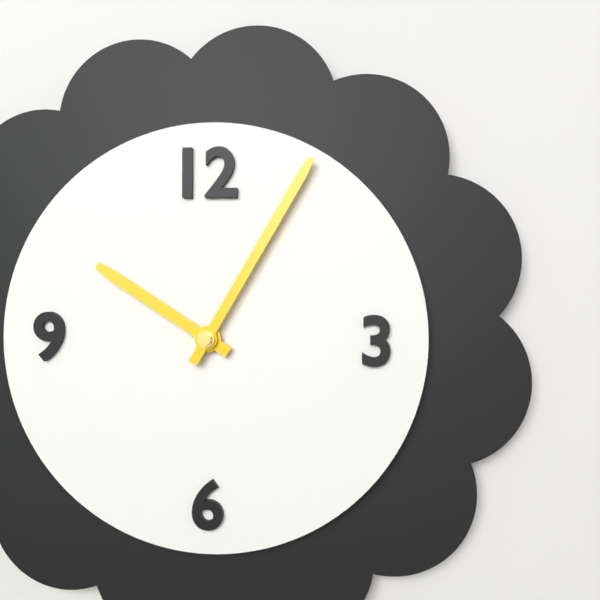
10:05
